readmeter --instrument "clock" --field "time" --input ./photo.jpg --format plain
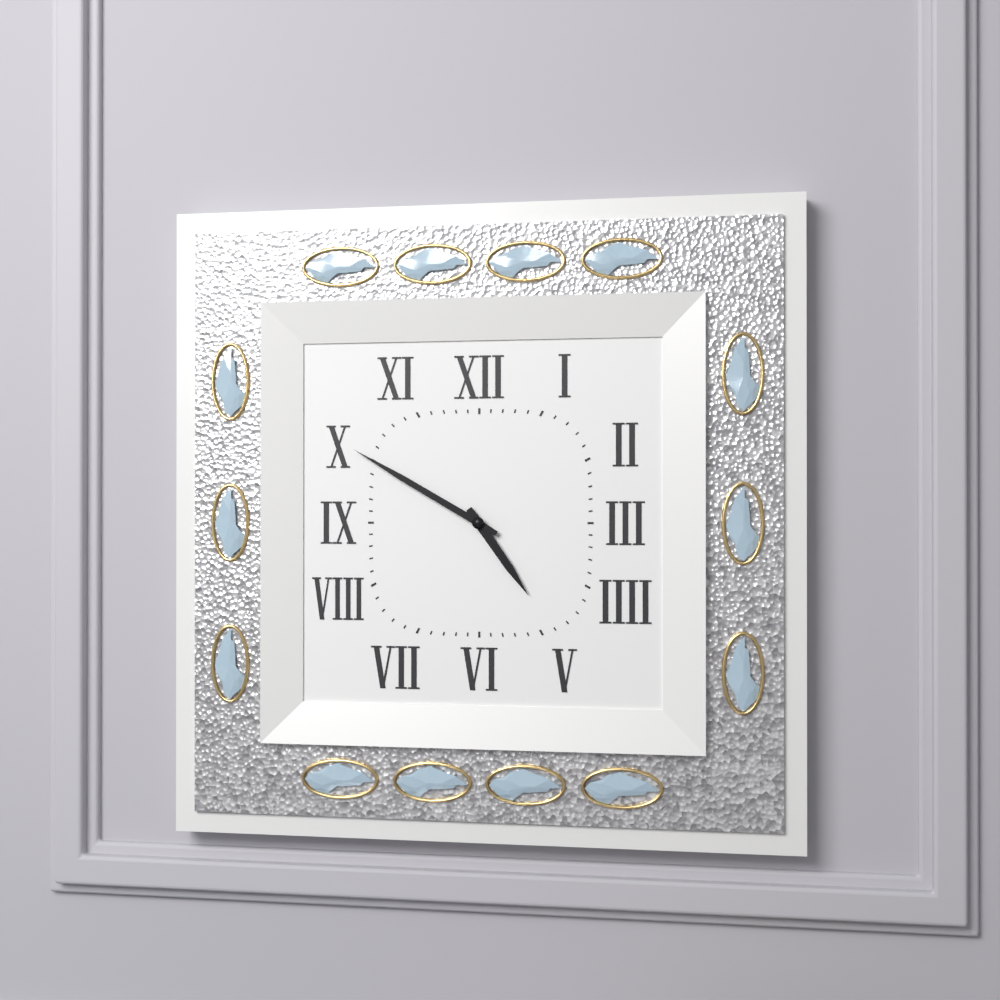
4:50
